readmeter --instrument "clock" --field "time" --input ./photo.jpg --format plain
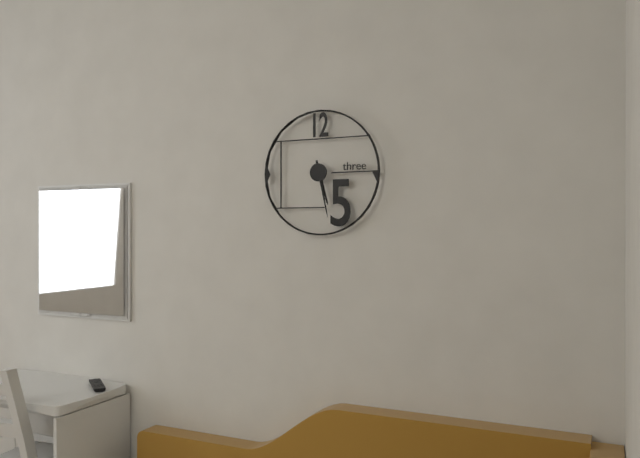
5:28
